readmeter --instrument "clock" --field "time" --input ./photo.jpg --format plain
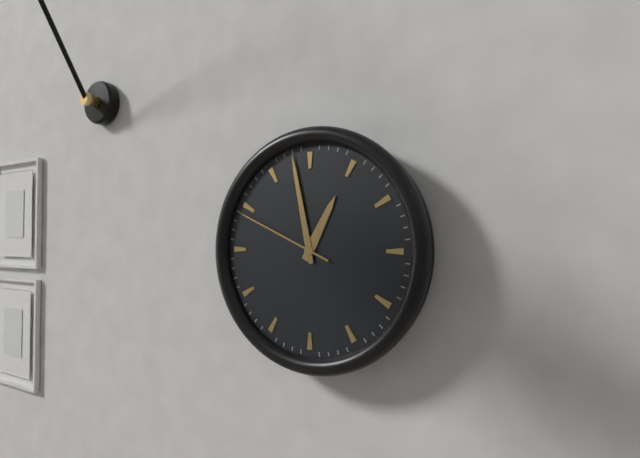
12:58:49
